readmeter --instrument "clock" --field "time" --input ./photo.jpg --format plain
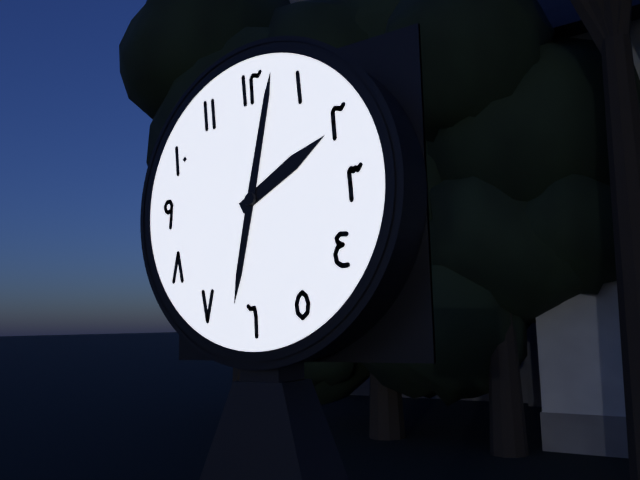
2:02
